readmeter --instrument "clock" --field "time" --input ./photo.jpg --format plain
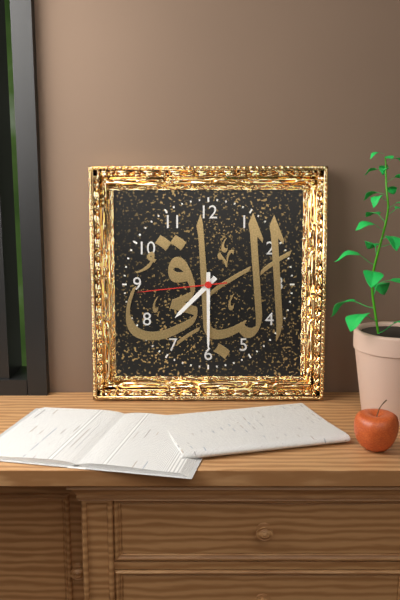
7:30:44
